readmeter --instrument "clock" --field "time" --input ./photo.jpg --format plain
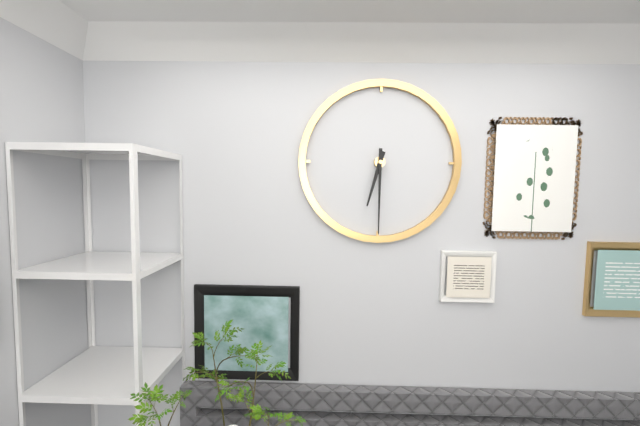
6:30
